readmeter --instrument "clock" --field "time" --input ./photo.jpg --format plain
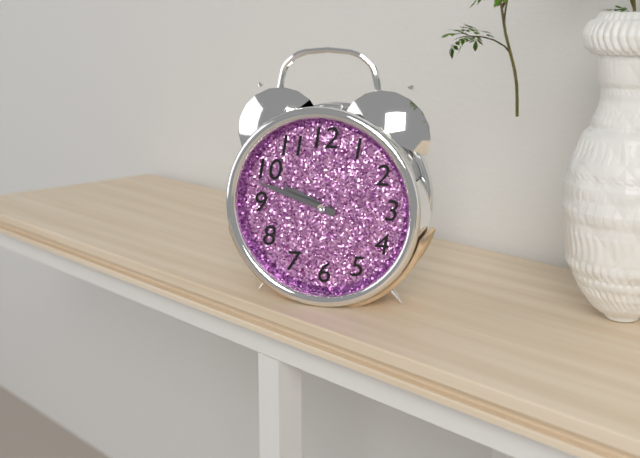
9:48
